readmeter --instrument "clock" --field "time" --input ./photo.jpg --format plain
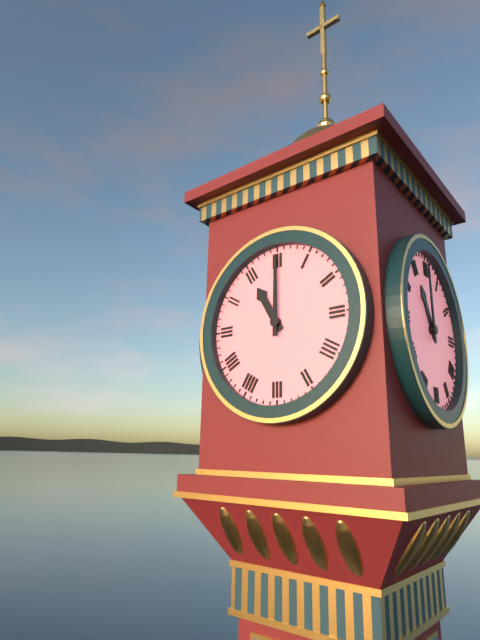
11:00
